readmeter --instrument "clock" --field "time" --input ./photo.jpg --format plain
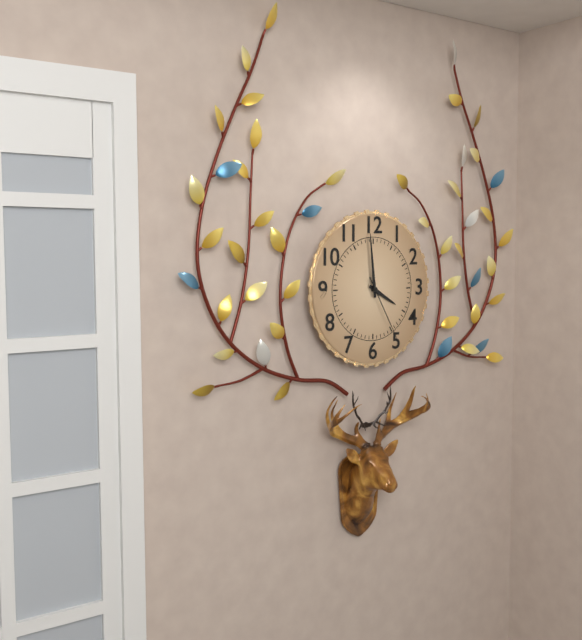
3:59:25
